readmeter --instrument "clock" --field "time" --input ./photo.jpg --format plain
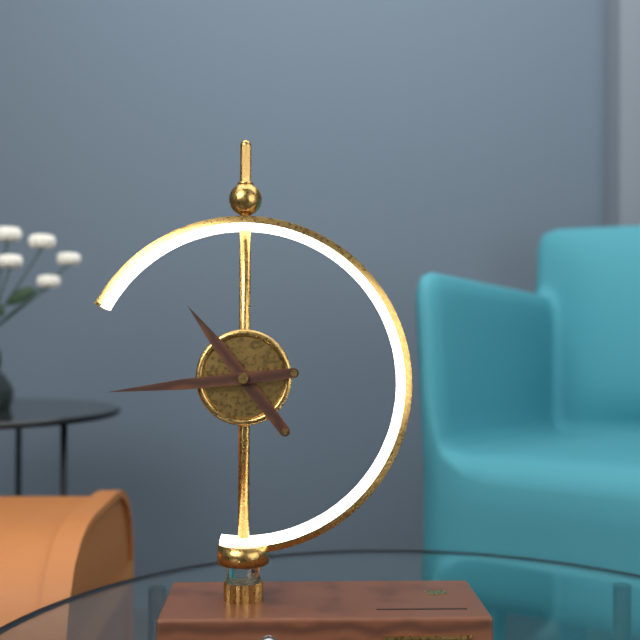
10:44
